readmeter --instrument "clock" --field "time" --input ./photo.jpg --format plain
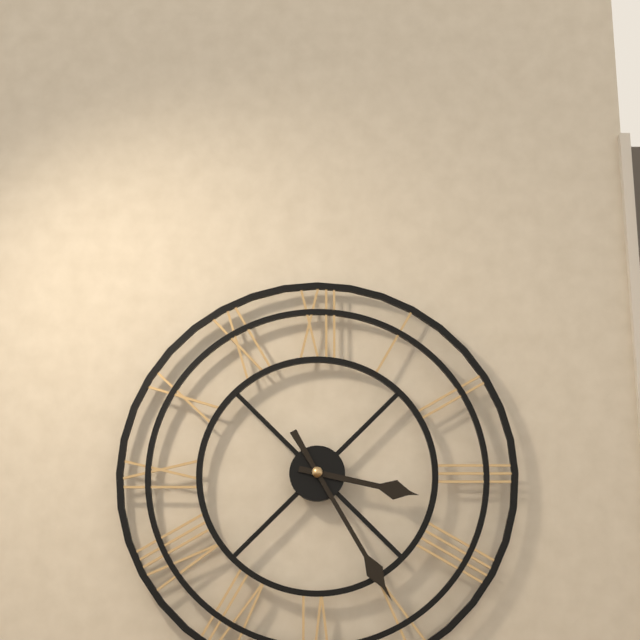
3:25
